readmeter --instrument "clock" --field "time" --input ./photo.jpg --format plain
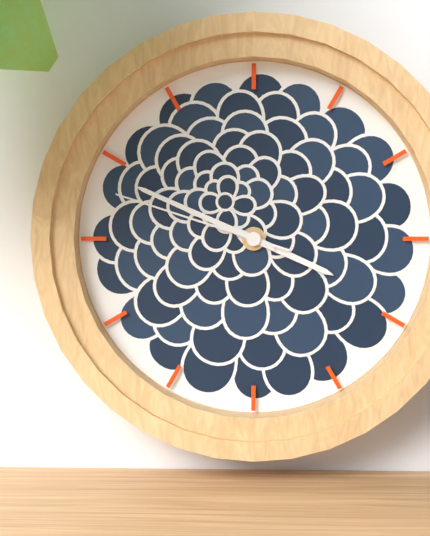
3:49:48
